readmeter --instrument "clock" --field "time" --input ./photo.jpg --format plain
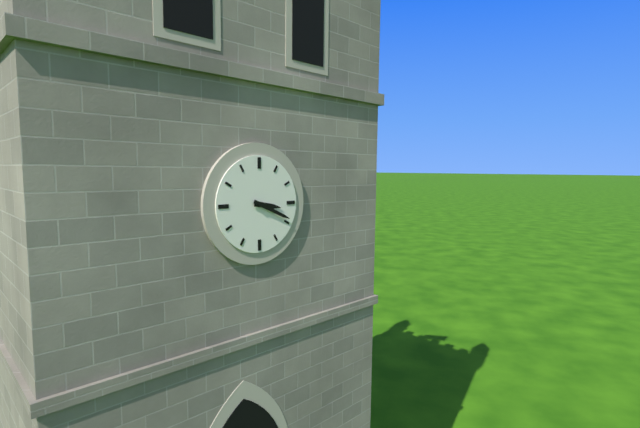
3:19
